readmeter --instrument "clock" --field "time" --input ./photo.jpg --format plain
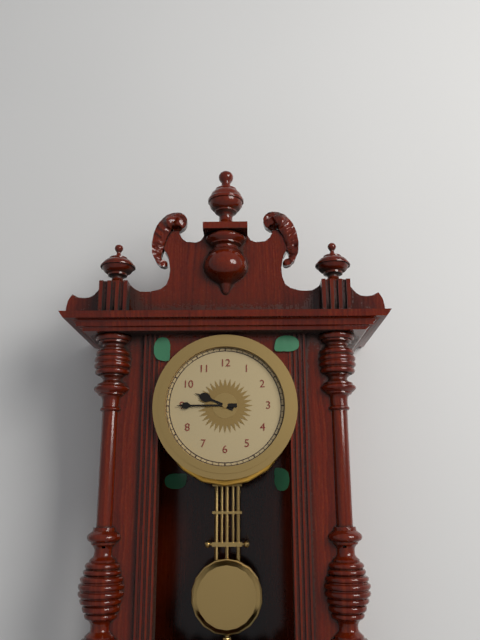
9:45
